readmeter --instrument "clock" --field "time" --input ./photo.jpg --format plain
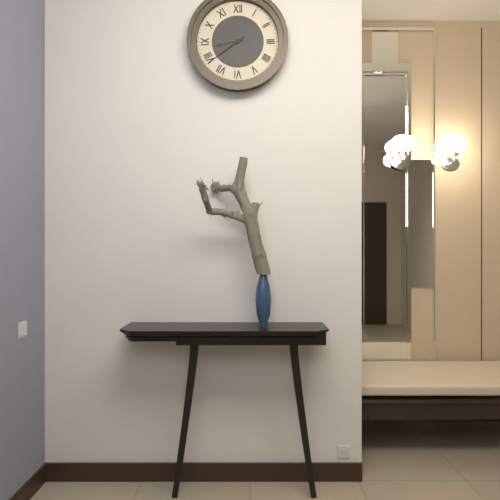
8:39
